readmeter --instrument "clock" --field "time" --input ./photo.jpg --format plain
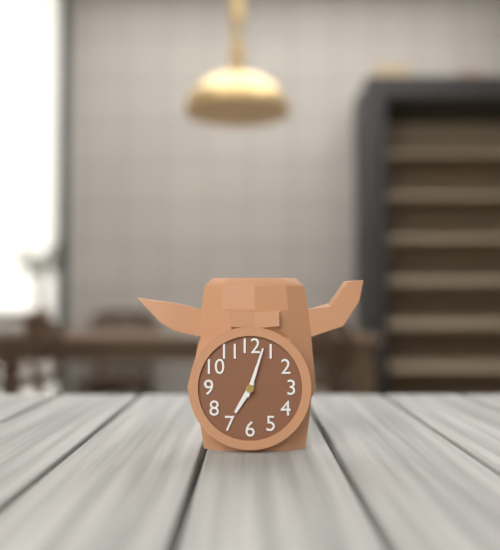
7:03
